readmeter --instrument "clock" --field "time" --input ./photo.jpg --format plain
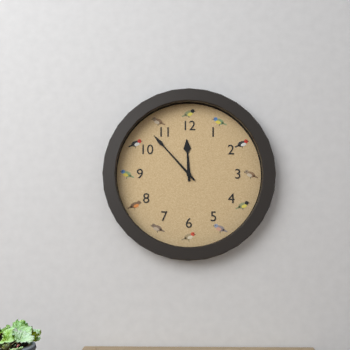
11:53
